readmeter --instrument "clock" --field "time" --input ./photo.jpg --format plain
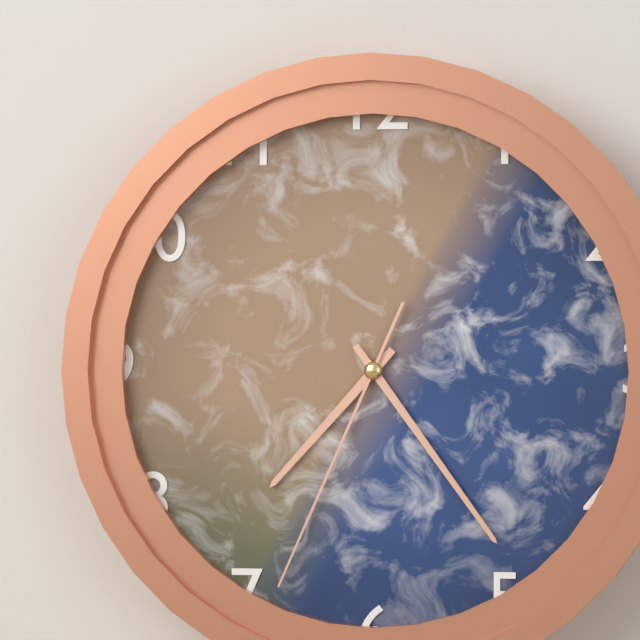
7:24:34
